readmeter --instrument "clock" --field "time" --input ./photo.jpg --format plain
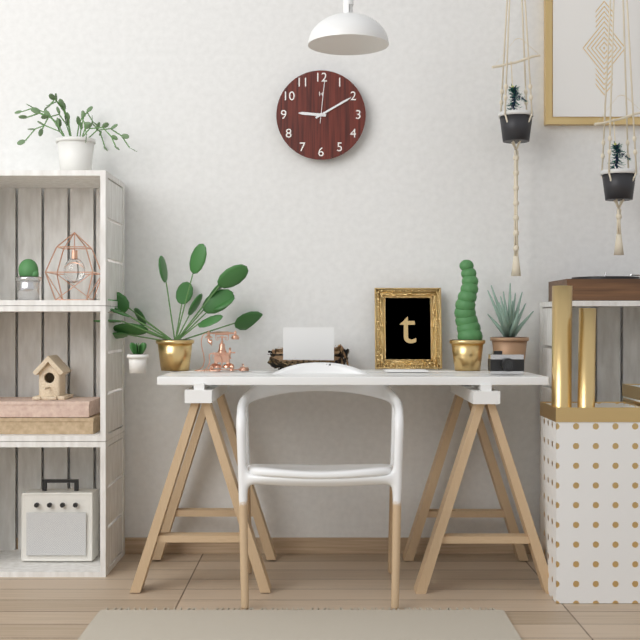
9:10
